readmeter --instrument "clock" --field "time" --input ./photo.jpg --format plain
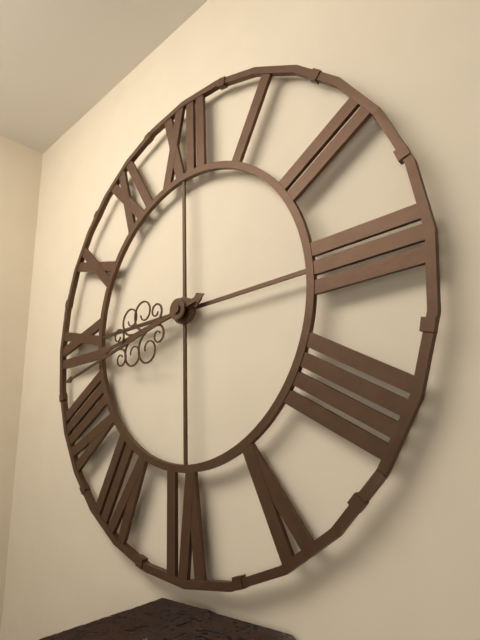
8:43
